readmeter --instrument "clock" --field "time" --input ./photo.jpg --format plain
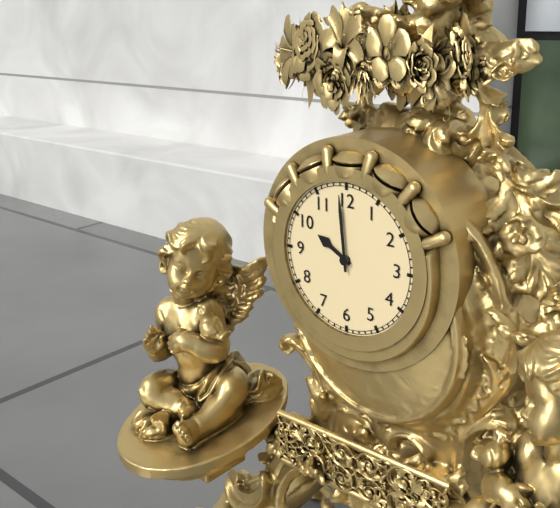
9:59
